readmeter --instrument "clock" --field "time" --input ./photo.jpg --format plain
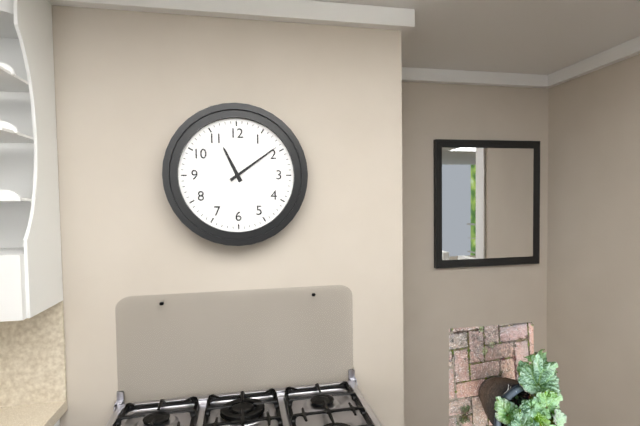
11:09
